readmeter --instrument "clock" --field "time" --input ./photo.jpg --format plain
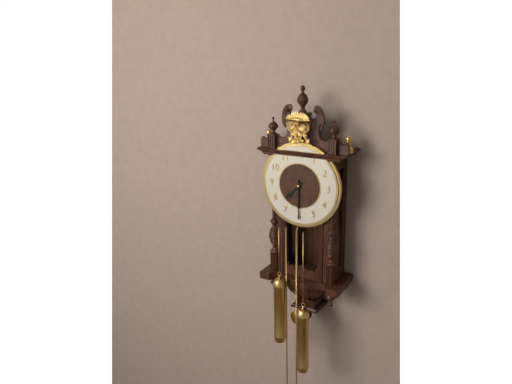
7:30
